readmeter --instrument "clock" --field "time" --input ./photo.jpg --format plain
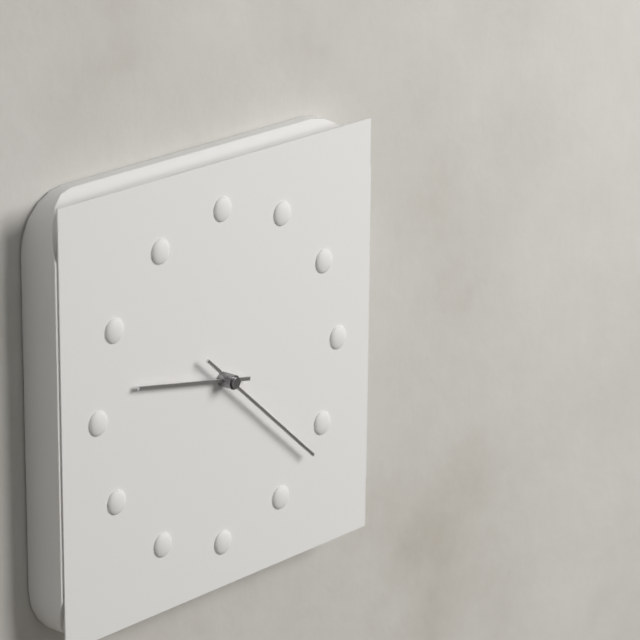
9:22
